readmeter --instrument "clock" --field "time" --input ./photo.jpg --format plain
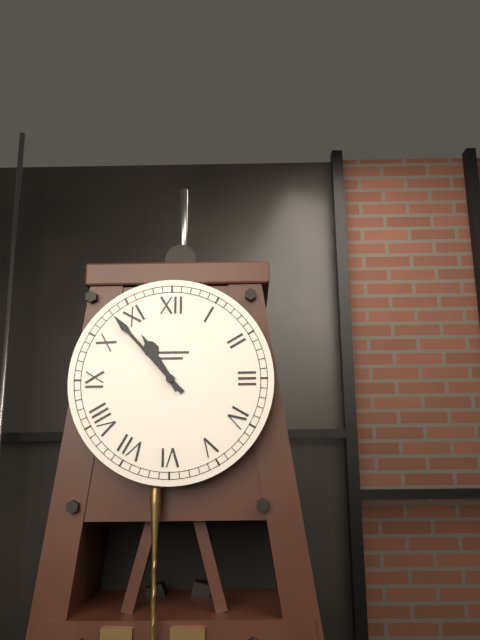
10:53
